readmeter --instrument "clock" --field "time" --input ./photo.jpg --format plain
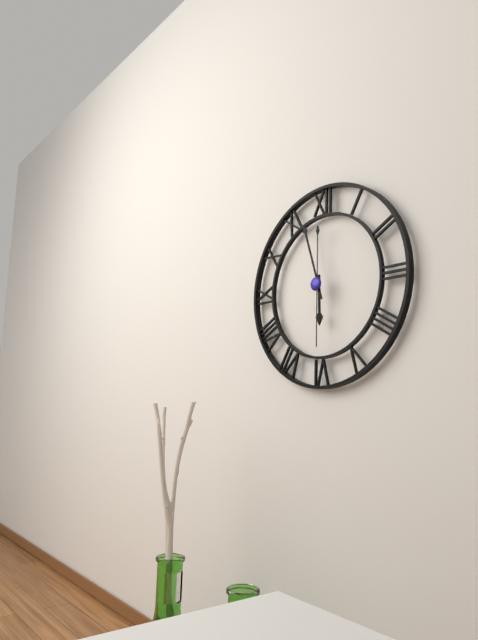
5:57:30
